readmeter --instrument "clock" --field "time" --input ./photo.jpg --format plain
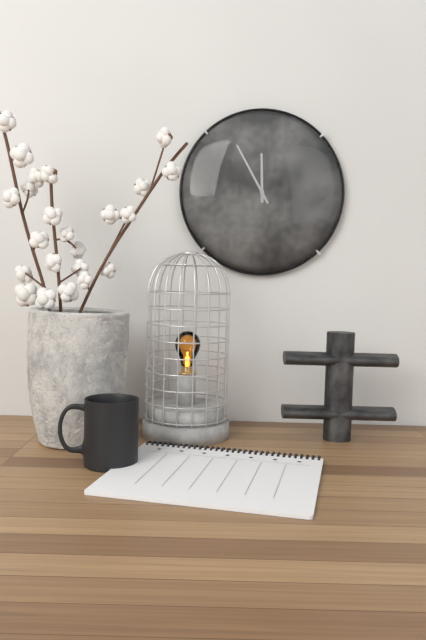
11:55
